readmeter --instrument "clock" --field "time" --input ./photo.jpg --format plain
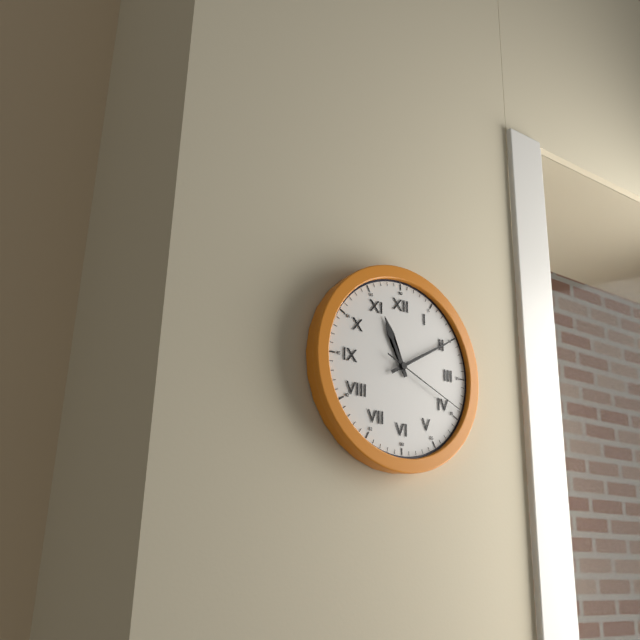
11:10:19
